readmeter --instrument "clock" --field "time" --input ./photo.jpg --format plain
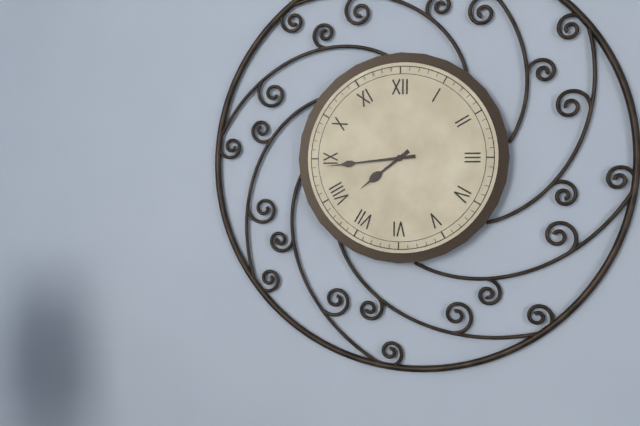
7:44
